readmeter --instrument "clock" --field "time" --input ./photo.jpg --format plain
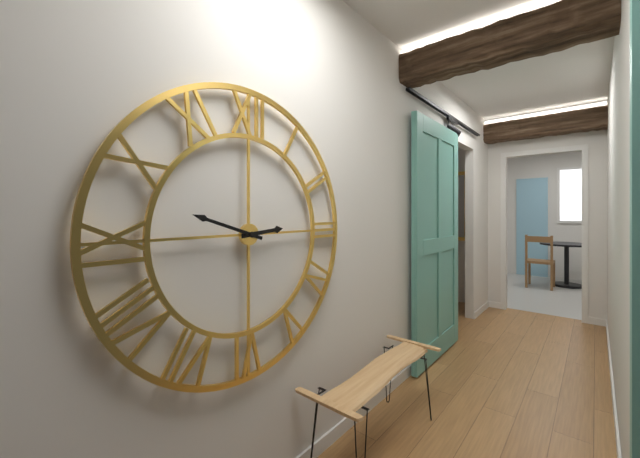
2:48
